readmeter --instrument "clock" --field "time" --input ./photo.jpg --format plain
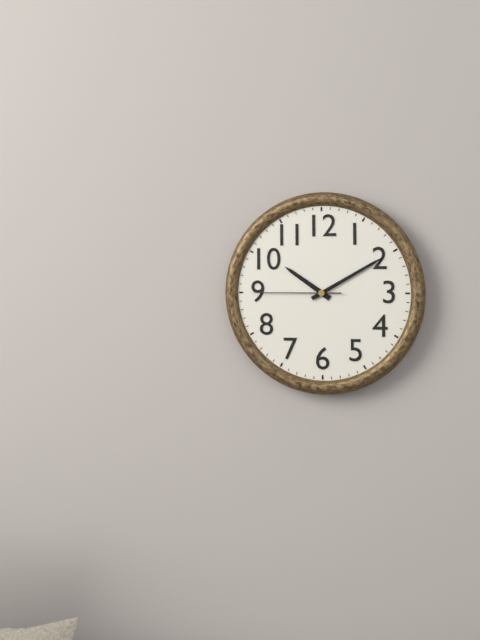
10:10:45
